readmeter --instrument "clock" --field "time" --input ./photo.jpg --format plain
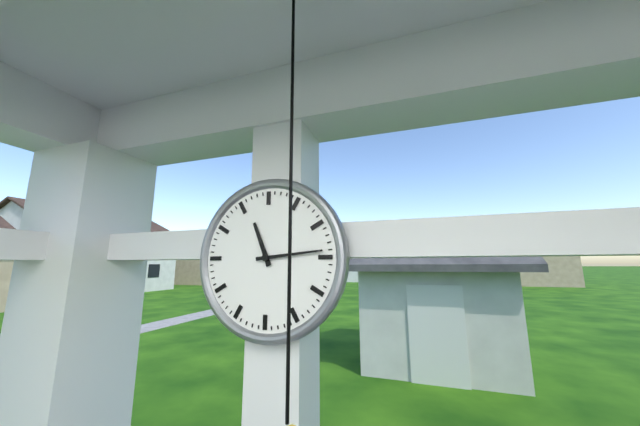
11:14
